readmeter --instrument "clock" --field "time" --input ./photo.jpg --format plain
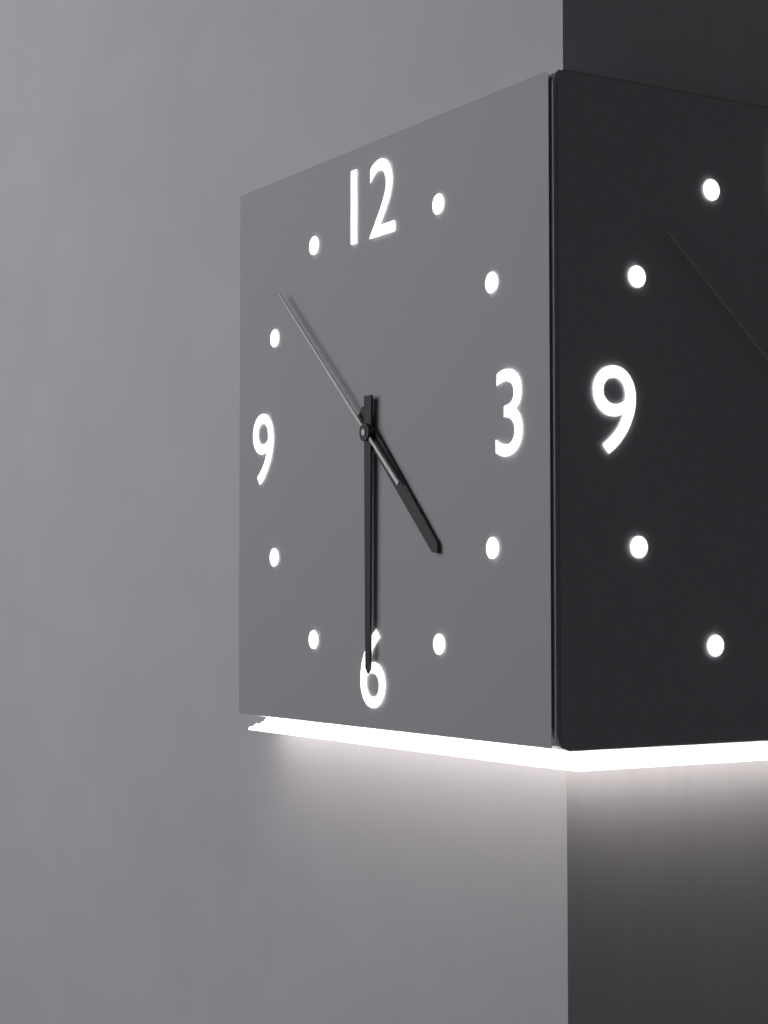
4:30:52
